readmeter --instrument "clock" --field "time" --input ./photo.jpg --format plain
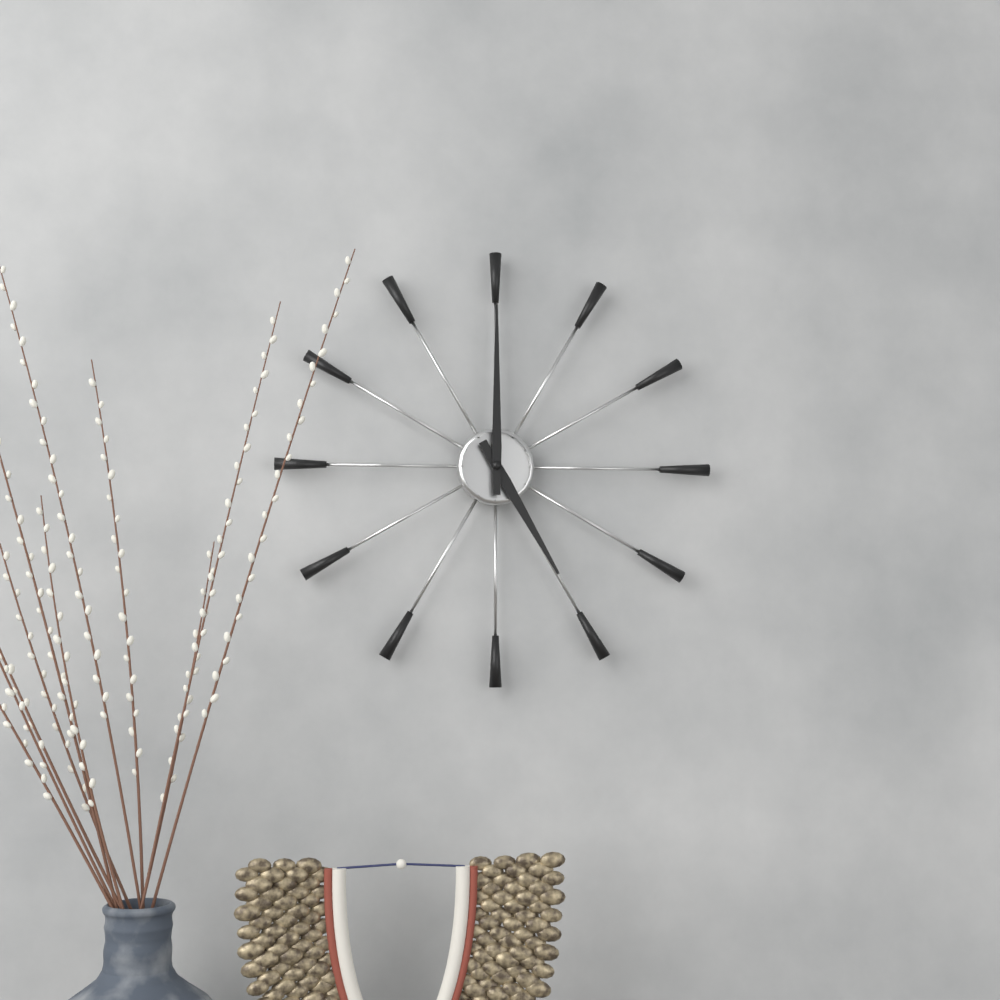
5:00
